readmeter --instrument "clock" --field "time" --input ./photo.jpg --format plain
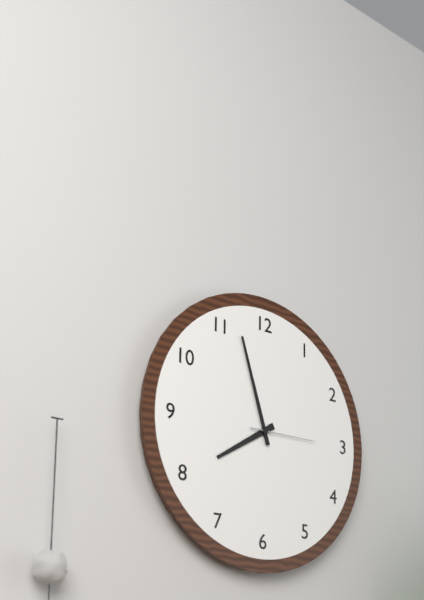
7:57:15
